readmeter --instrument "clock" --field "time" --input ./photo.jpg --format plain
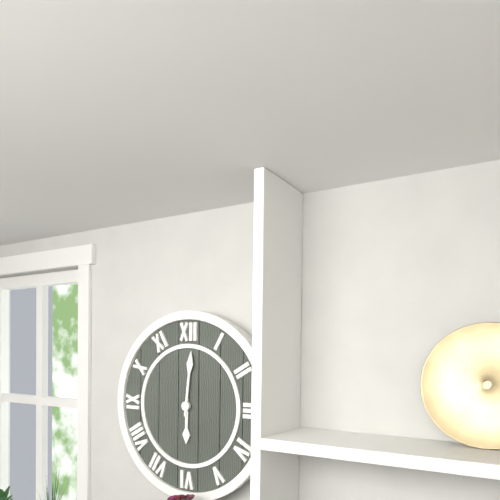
6:01
